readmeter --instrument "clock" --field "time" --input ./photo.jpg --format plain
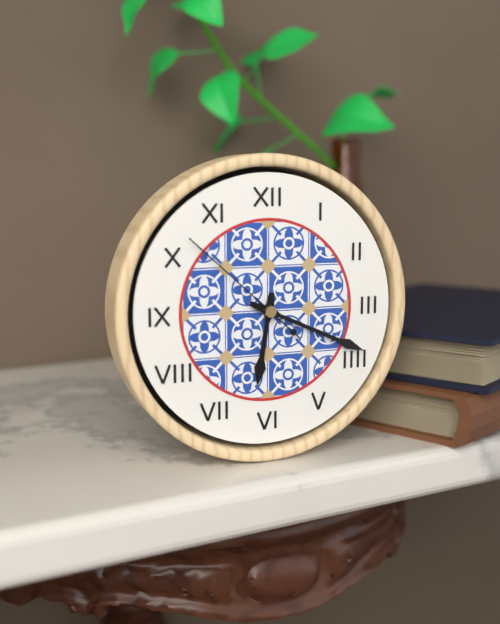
6:19:52
